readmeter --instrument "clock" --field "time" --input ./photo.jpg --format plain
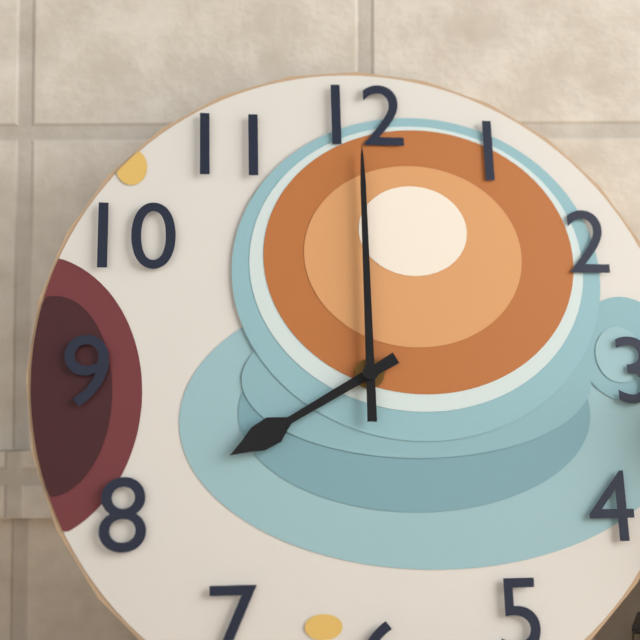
8:00
